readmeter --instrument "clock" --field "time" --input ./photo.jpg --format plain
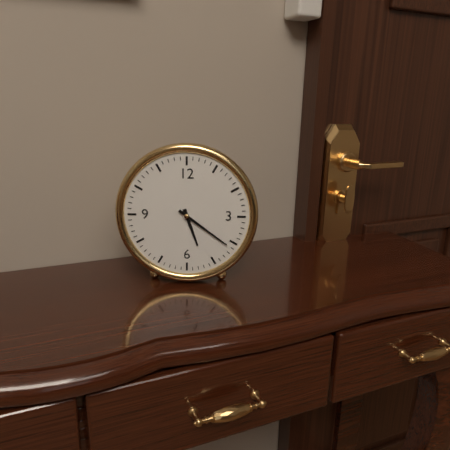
5:21
